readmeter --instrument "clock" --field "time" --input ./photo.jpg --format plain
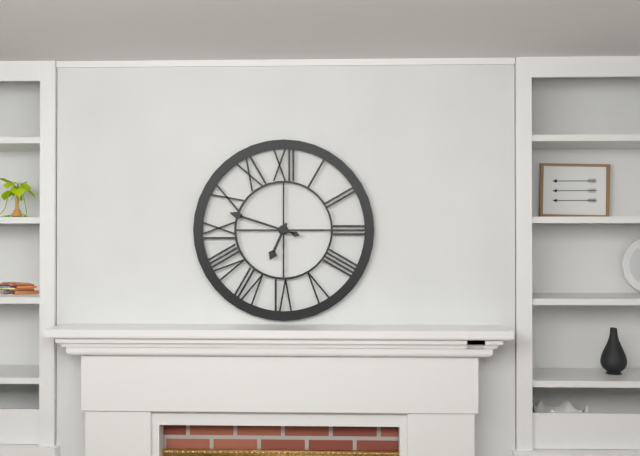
6:48
